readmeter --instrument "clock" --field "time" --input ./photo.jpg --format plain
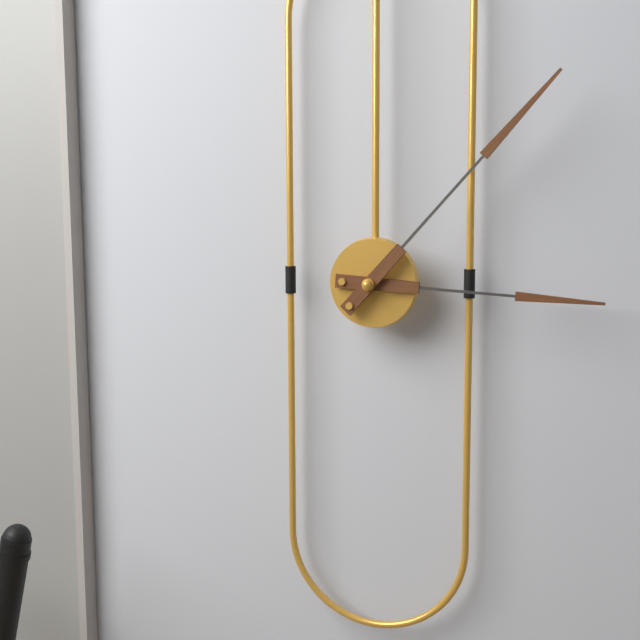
3:07
